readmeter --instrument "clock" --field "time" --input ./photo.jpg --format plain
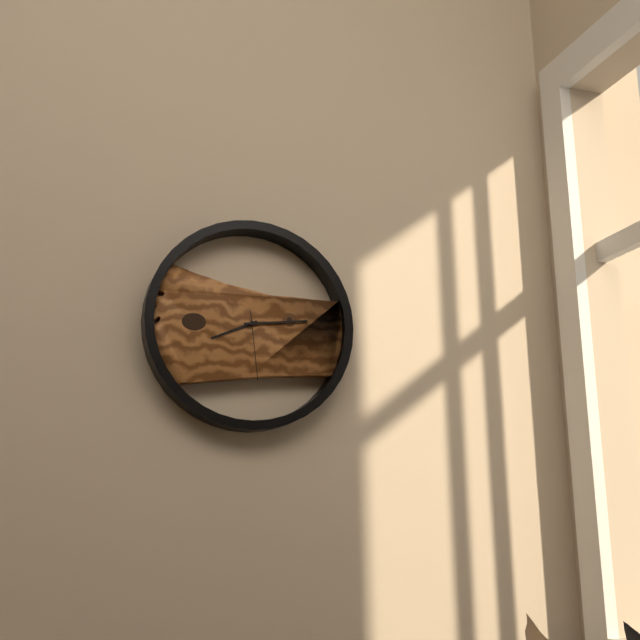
8:14:29
